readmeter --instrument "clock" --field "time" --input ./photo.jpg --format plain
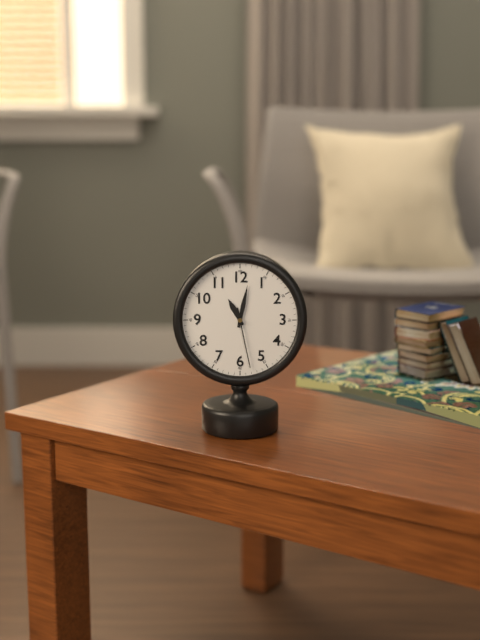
11:02:28
